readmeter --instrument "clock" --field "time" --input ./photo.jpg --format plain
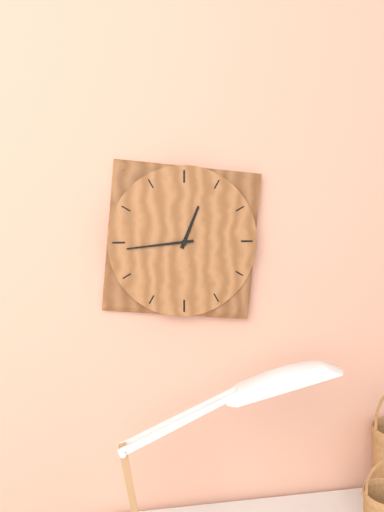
12:44
